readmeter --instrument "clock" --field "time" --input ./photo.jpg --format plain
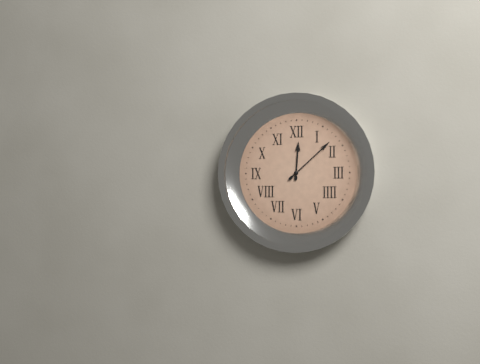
12:08
